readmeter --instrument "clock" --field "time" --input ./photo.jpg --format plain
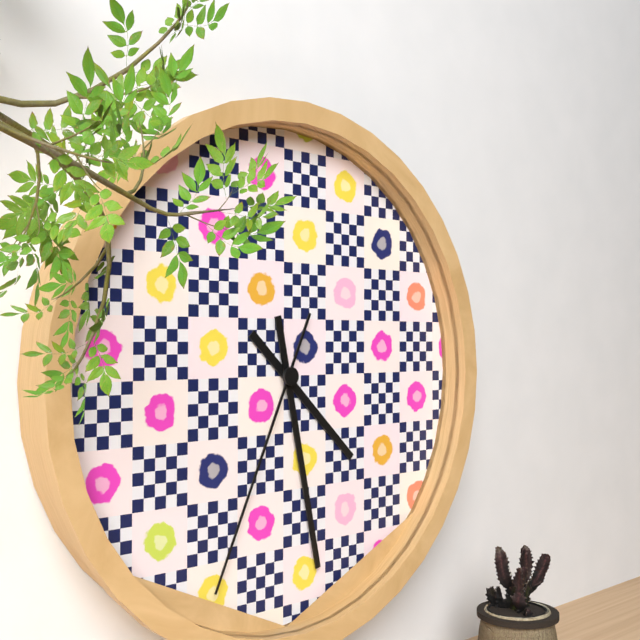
4:28:34
